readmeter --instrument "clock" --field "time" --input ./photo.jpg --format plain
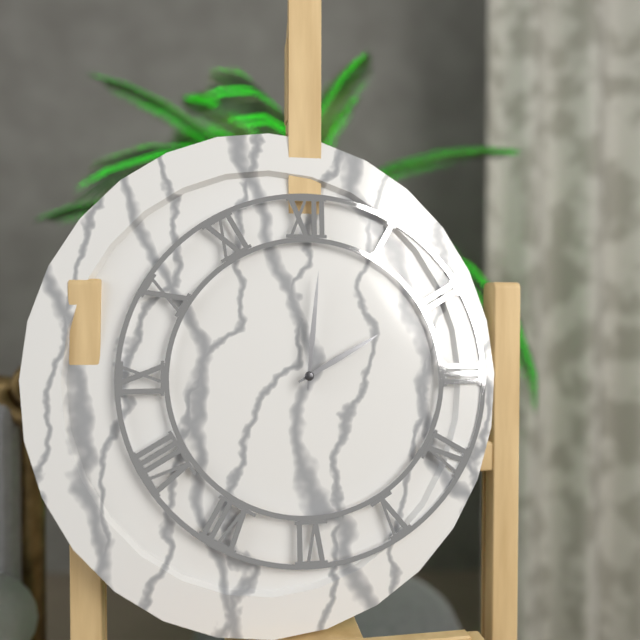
2:01
